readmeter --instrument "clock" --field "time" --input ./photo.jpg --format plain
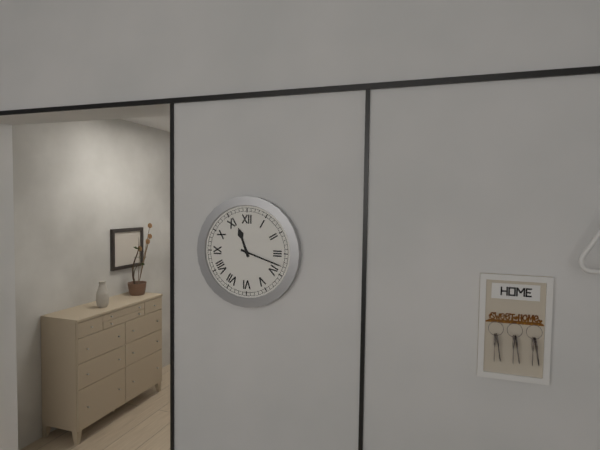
11:18
